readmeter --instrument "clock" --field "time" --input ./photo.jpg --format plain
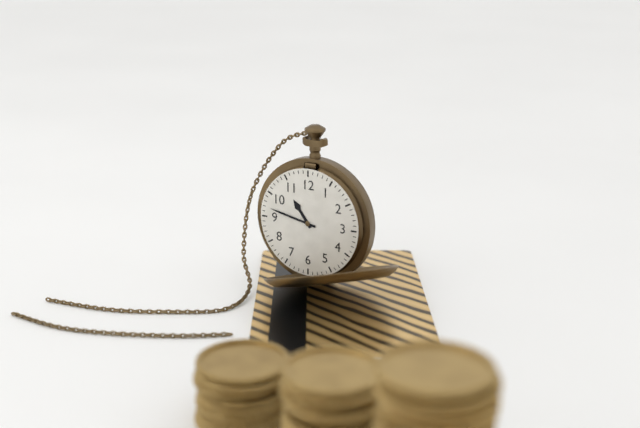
10:47
